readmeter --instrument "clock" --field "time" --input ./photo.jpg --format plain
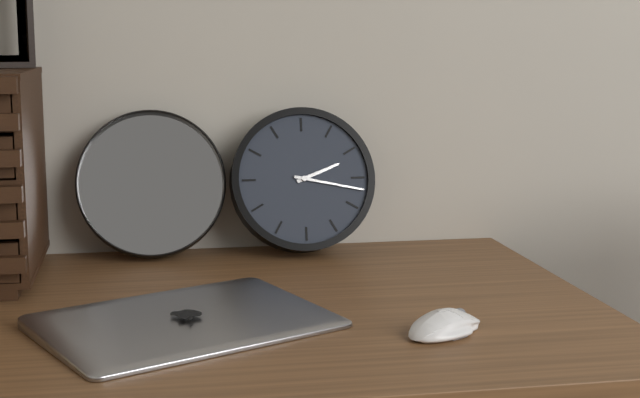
2:17
